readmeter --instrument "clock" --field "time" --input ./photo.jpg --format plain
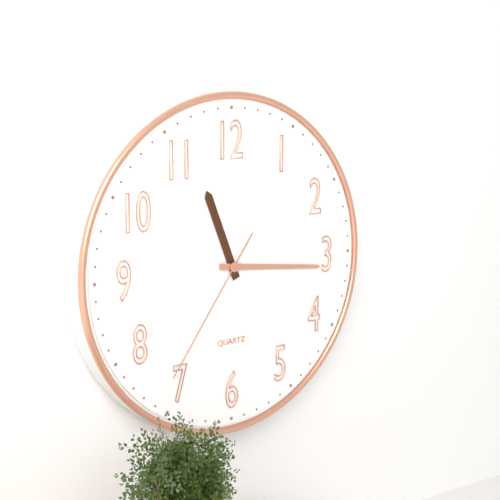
11:16:36
